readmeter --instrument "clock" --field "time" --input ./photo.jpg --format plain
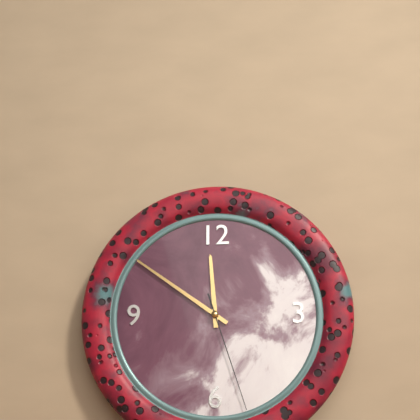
11:51:27
